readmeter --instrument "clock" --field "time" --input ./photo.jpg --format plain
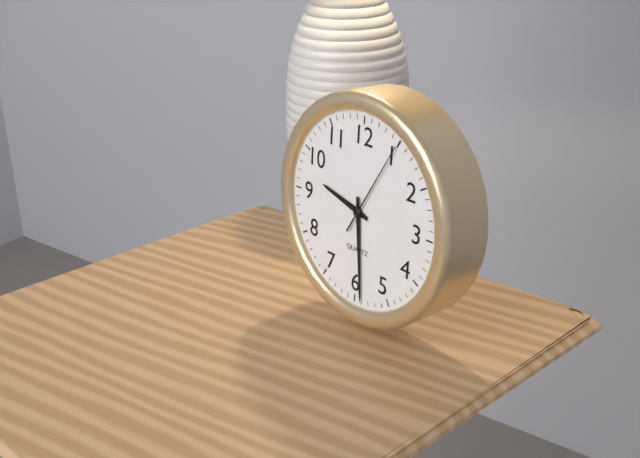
9:29:05
